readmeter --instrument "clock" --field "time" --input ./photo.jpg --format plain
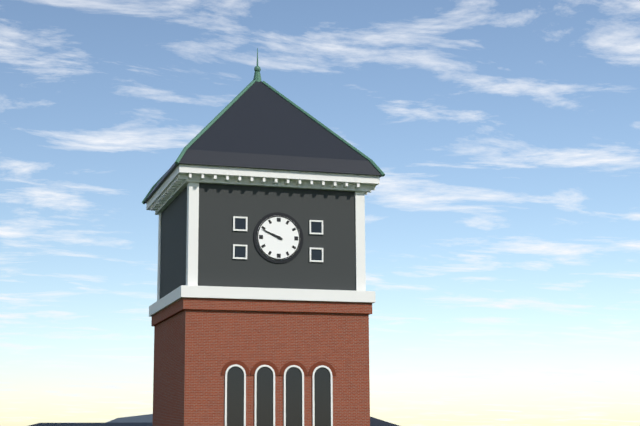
9:49
